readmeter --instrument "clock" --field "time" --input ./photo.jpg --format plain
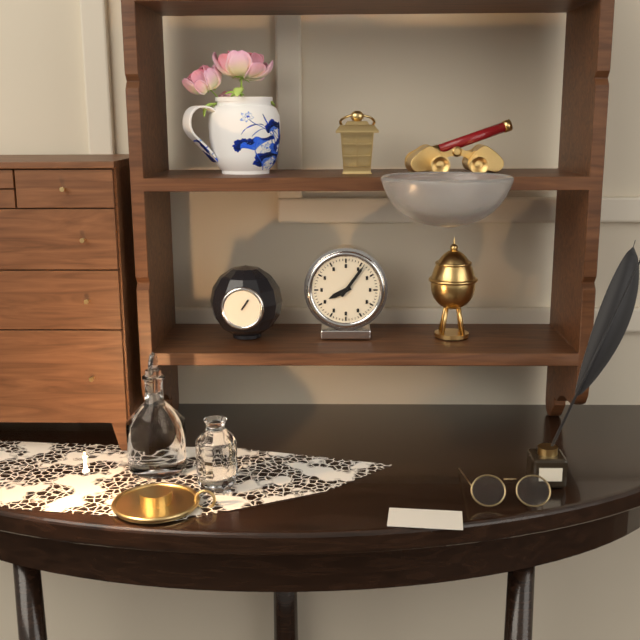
8:06
